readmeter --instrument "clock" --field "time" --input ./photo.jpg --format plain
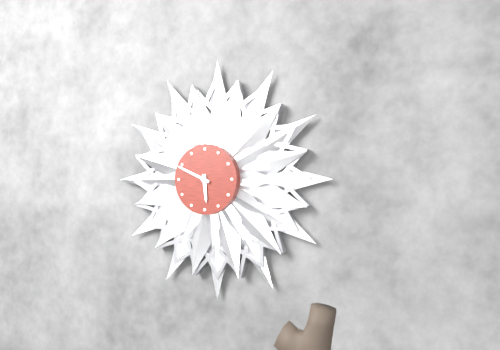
5:49
